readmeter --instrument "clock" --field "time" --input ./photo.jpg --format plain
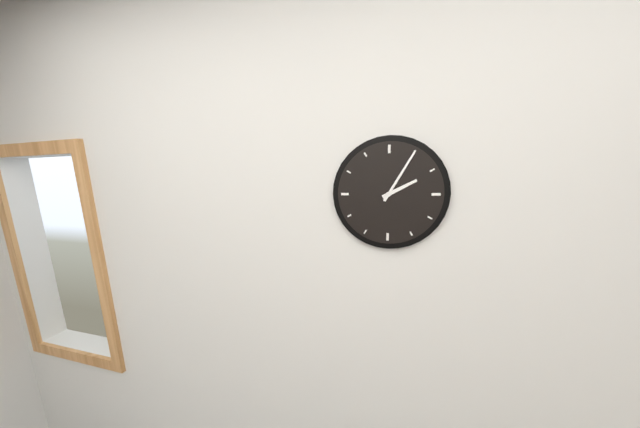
2:05
